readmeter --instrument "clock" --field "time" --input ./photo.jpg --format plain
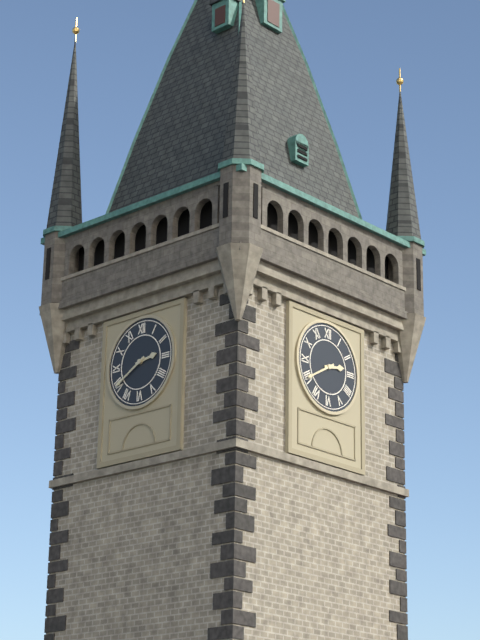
2:40
